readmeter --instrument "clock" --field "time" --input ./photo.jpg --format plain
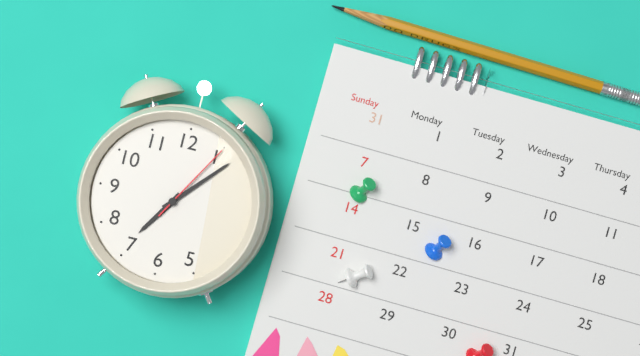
7:07:05
